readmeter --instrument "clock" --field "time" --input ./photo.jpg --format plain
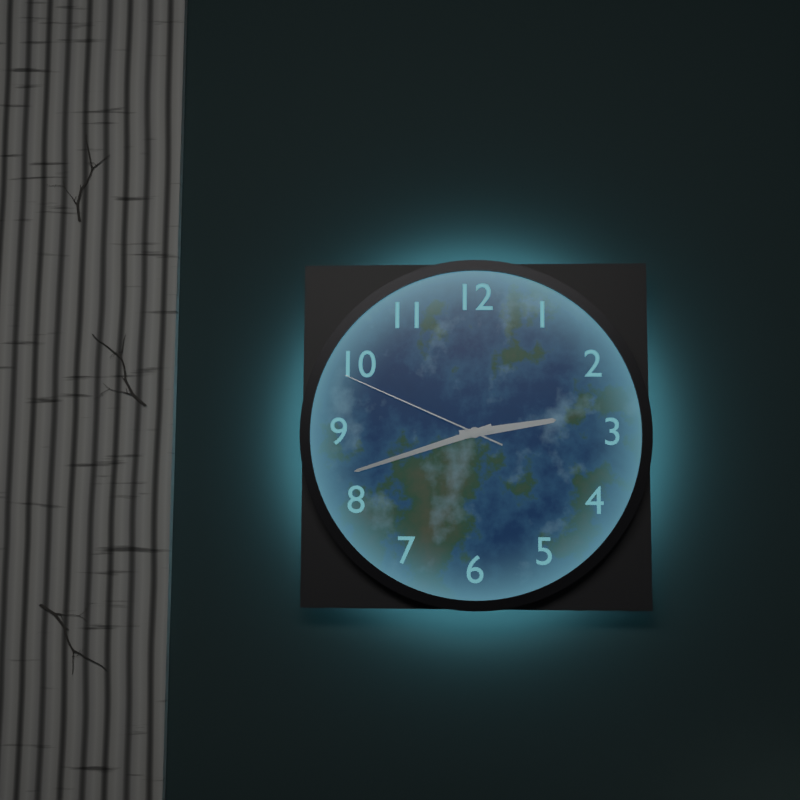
2:42:49
